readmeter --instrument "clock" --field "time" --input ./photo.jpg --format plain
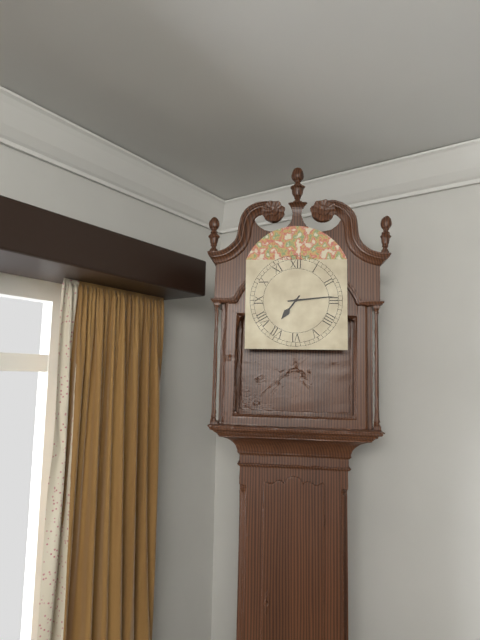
7:14
